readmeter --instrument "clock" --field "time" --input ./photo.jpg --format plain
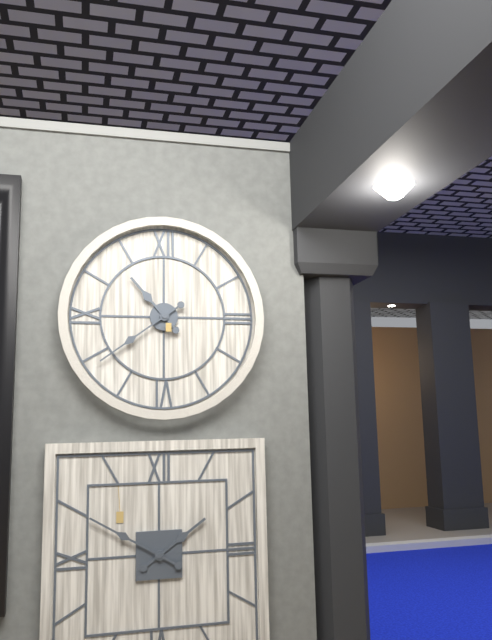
10:39
